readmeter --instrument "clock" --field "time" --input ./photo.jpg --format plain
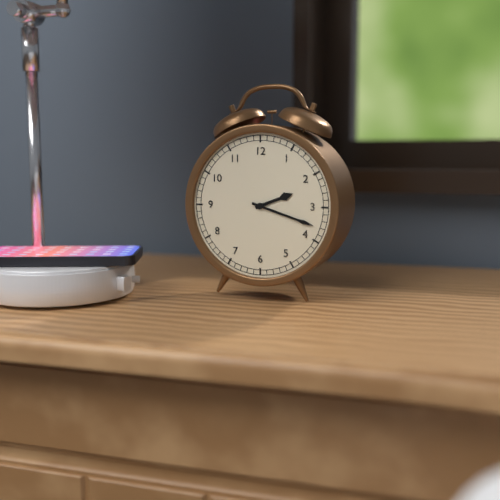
2:18
